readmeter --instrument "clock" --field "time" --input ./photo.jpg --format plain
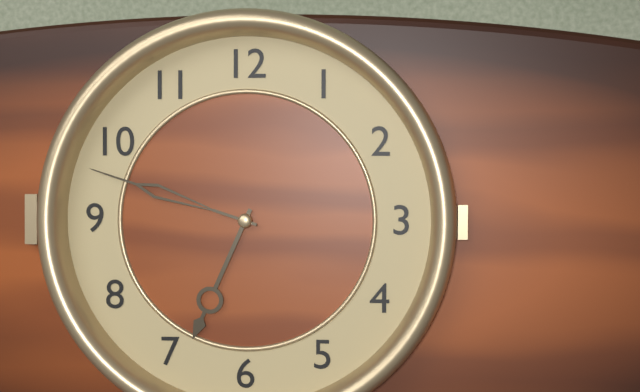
6:48
